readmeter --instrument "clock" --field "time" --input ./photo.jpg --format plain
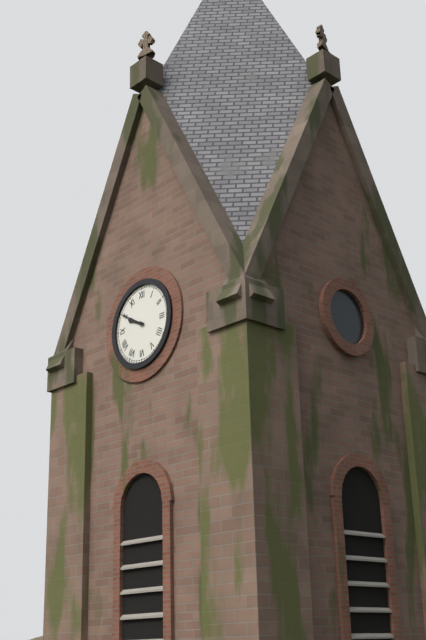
9:50
